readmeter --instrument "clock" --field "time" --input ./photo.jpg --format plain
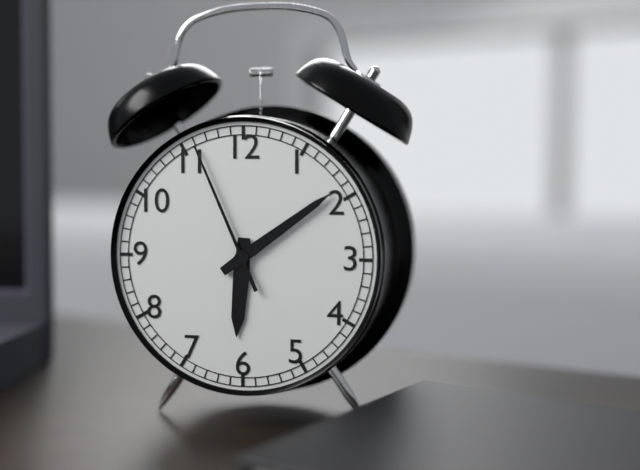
6:09:56
